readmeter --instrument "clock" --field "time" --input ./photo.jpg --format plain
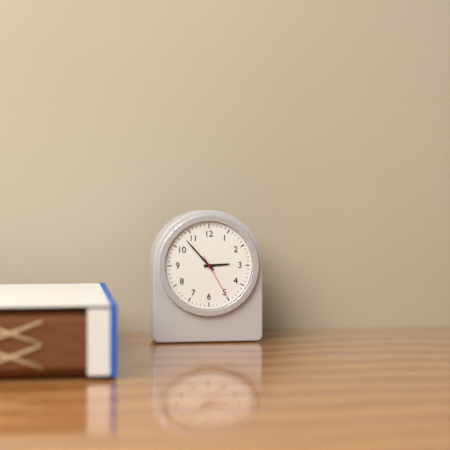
2:53
